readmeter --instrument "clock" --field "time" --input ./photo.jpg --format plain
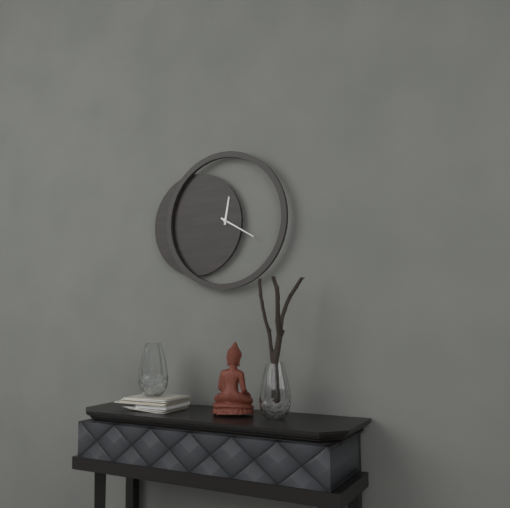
12:20
